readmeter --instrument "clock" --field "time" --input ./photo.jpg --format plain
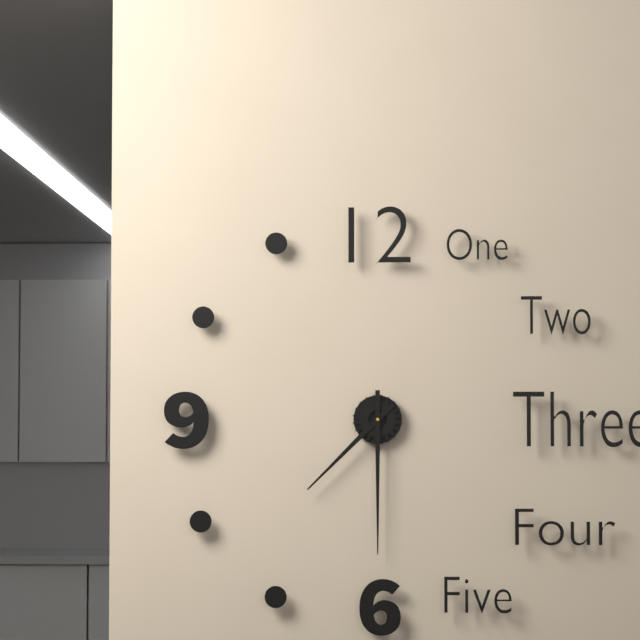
7:30
